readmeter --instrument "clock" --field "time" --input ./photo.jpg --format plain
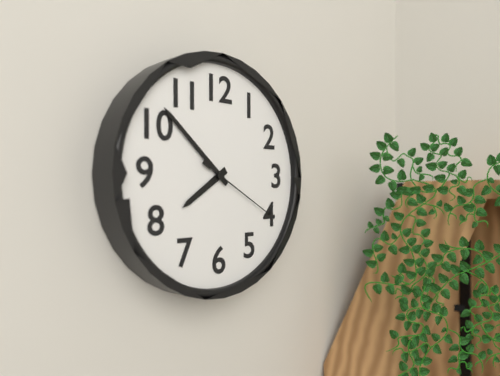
7:52:20
